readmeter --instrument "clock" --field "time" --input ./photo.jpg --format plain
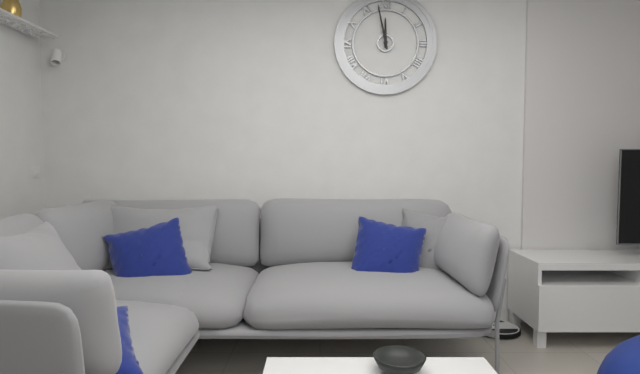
11:58
